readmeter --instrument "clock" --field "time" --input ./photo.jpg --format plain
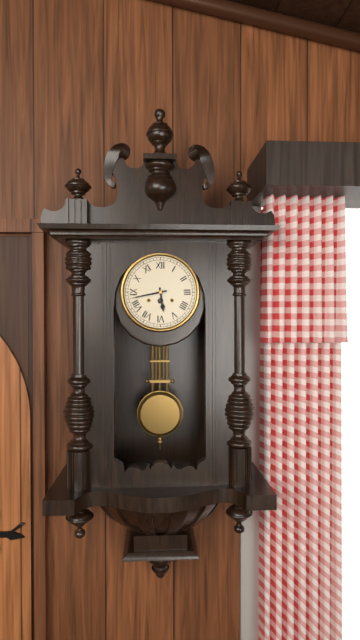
5:43
